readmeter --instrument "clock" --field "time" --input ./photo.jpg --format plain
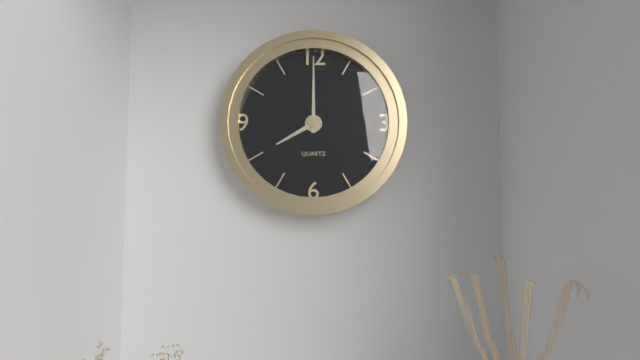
8:00
